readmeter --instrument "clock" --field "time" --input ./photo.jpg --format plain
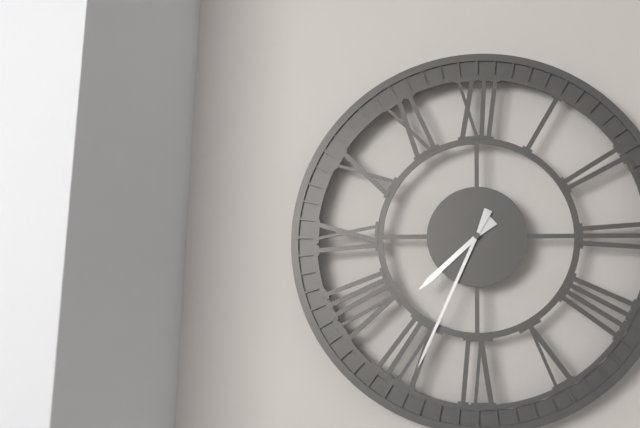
7:34
